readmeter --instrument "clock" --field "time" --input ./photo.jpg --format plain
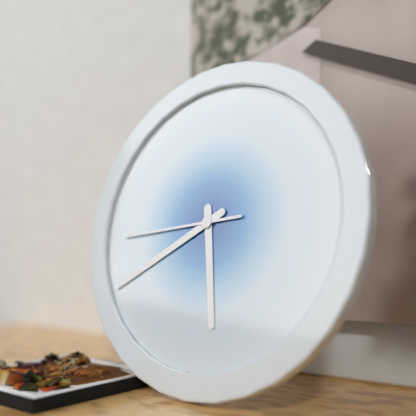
5:40:44
